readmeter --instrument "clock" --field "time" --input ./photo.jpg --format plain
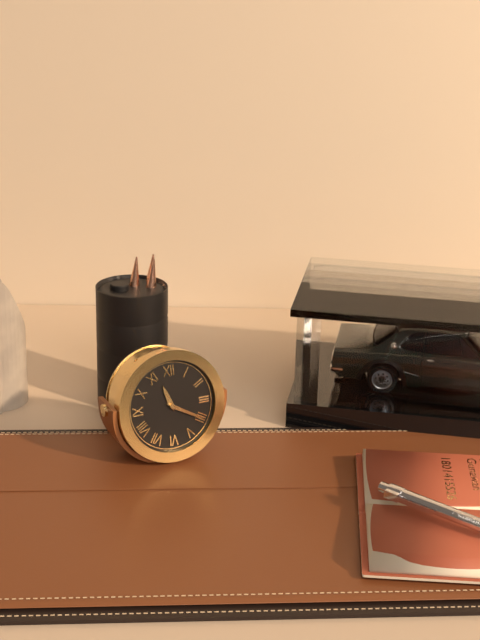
11:20
